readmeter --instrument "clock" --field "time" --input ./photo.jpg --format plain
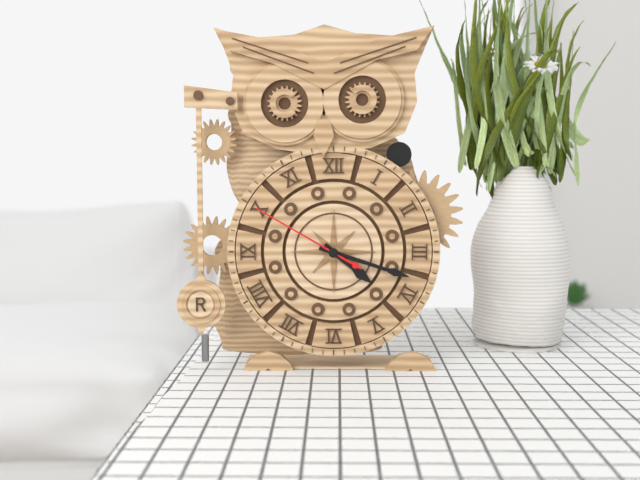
4:18:50
